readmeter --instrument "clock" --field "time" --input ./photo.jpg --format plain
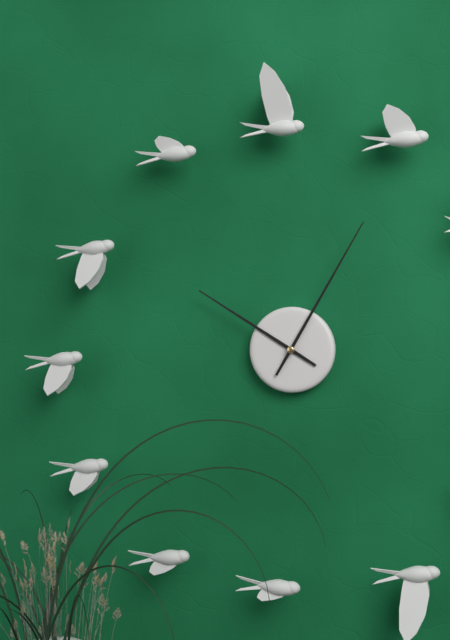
10:05
